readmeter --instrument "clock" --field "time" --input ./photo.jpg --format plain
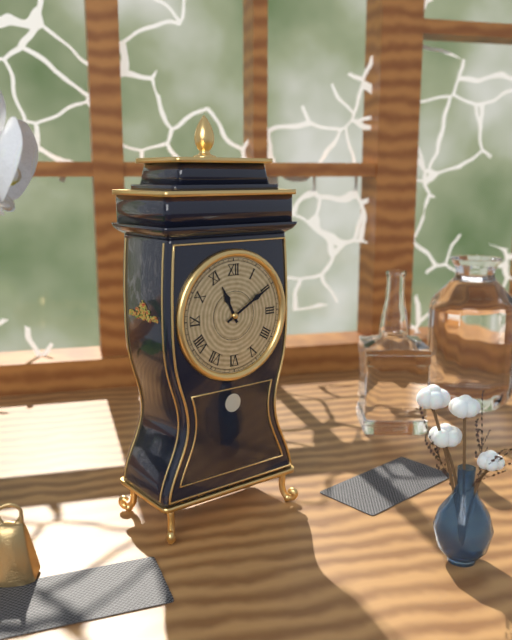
11:10
